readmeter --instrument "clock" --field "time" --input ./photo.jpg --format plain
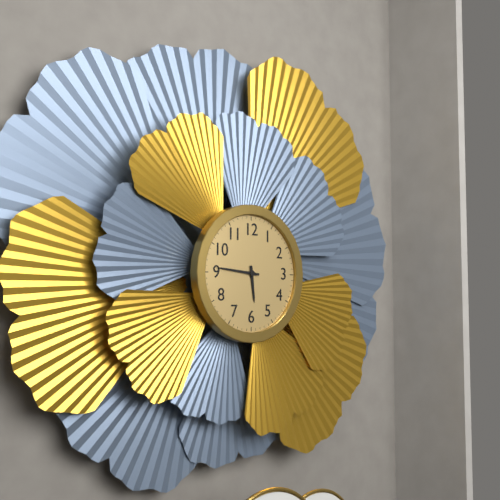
5:46
